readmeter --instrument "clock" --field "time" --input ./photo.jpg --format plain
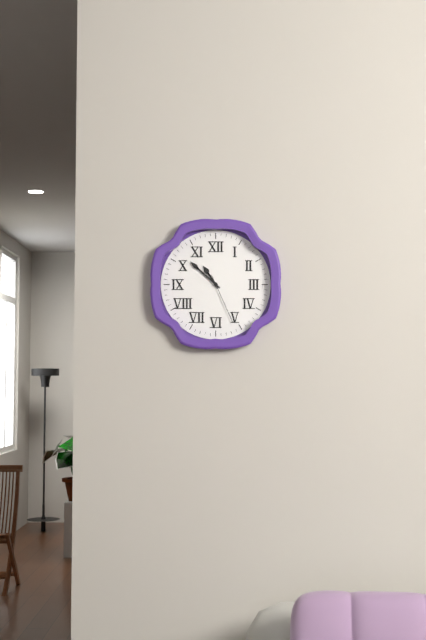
10:52:26
